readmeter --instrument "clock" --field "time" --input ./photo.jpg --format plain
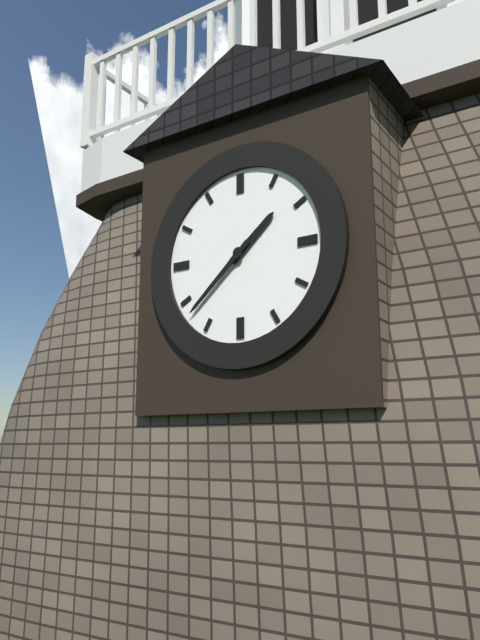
1:38
